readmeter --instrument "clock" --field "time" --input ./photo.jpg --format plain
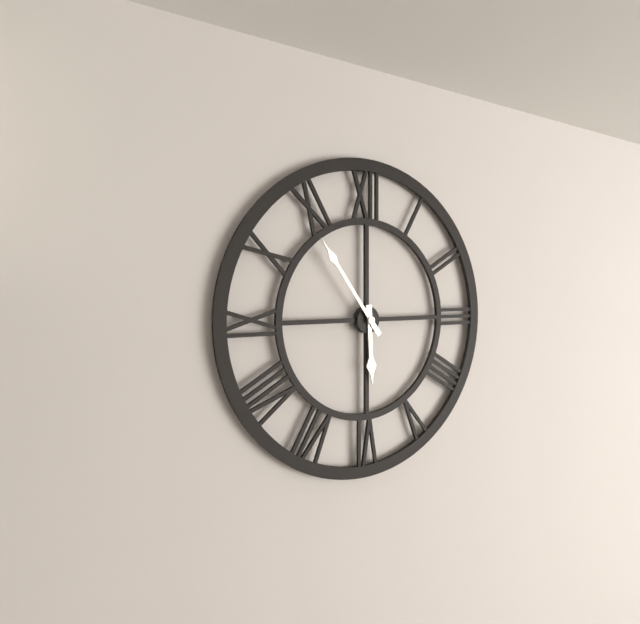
5:54
